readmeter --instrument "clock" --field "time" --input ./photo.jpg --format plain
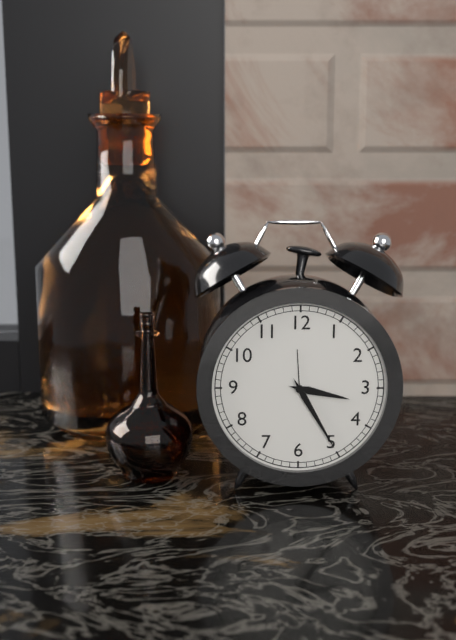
3:25
